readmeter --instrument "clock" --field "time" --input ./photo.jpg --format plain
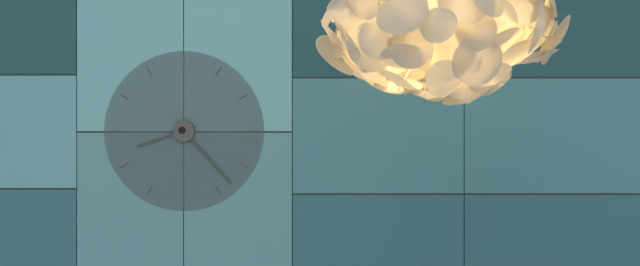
8:23
